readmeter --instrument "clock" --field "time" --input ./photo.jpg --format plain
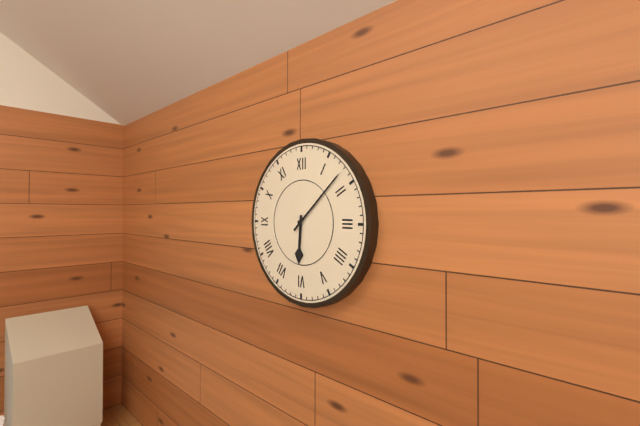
6:08
